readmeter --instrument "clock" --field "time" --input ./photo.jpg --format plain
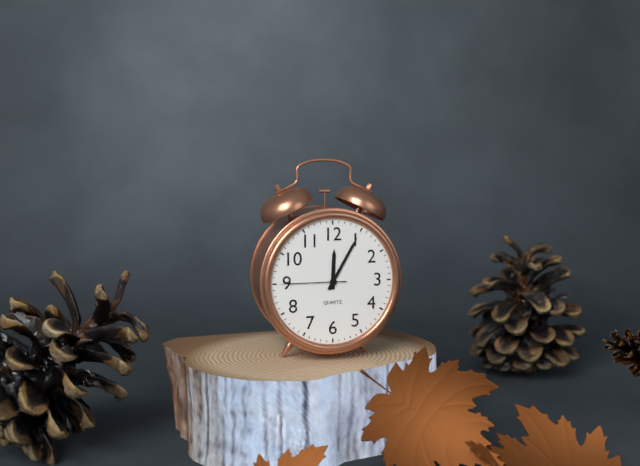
12:05:45
